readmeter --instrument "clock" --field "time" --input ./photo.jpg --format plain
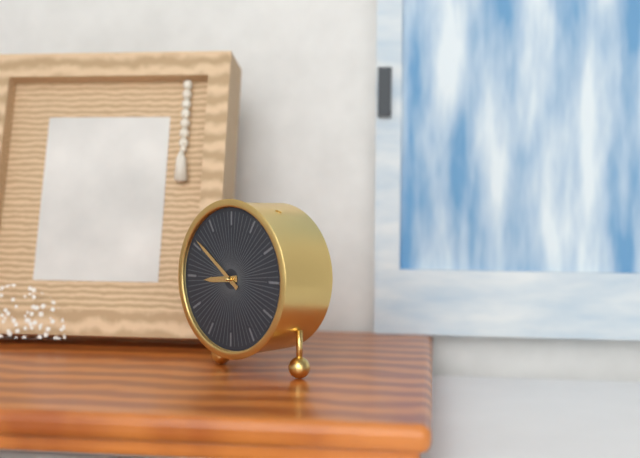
8:51
